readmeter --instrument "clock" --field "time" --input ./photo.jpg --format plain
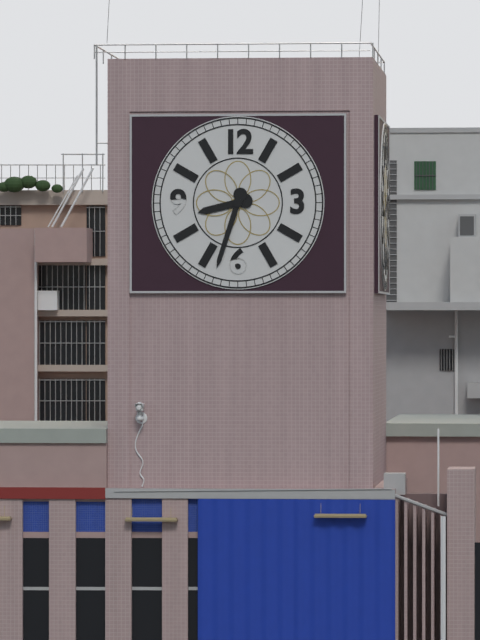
8:33
